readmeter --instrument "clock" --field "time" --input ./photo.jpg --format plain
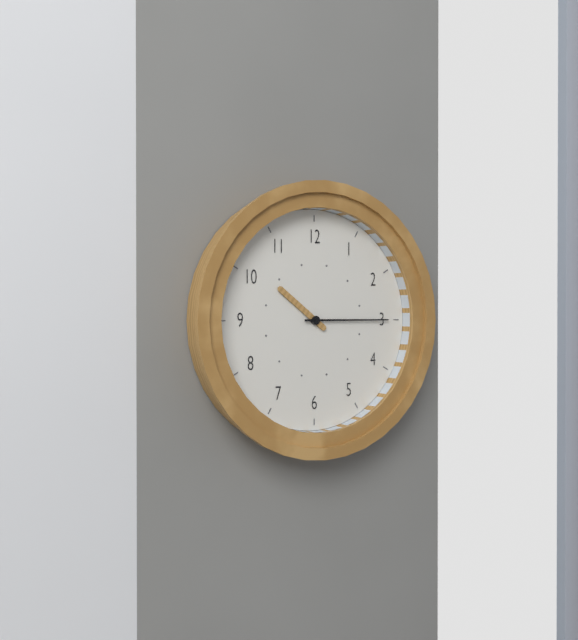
10:15
